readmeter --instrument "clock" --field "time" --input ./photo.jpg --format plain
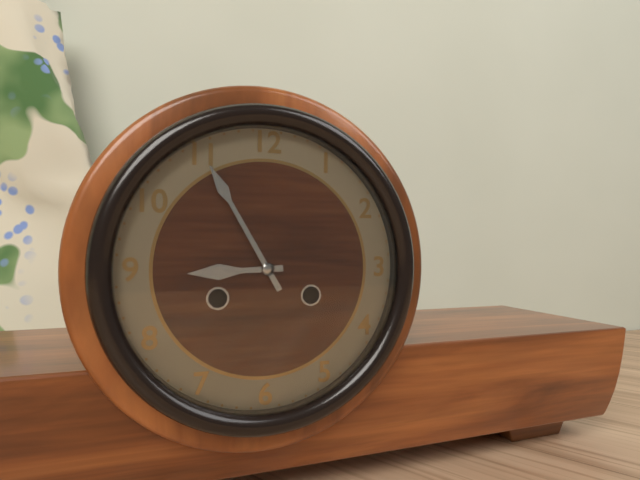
8:55
